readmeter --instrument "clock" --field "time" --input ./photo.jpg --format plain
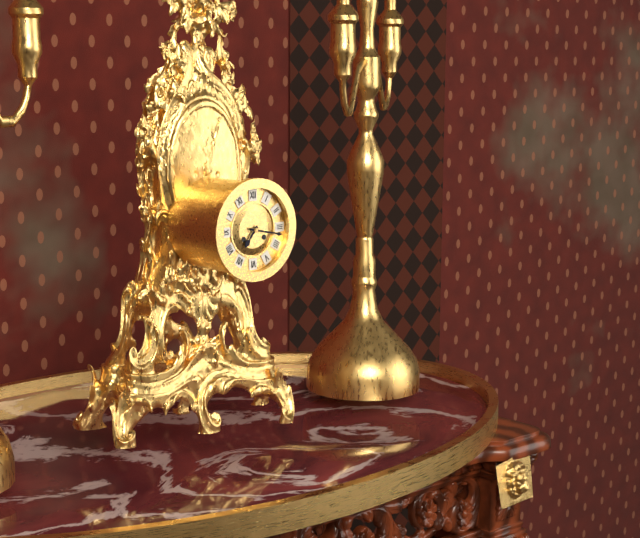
7:17
